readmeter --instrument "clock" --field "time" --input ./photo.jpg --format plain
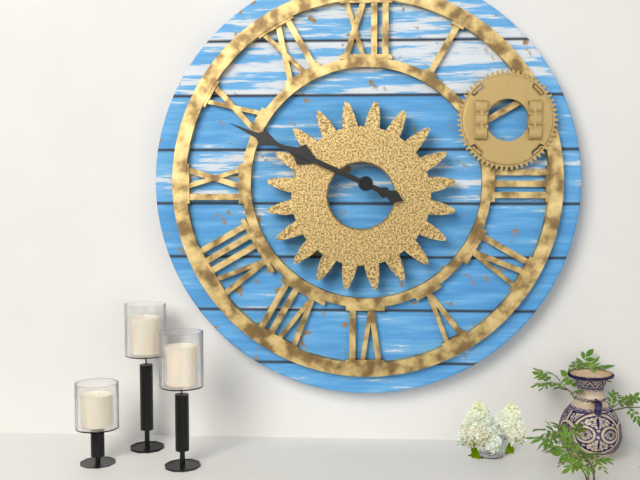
9:49
